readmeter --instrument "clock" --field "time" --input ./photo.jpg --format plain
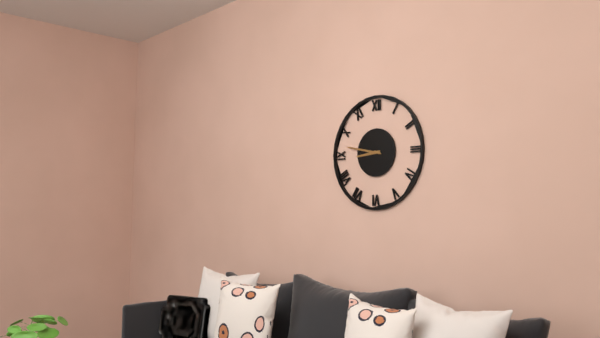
8:47
